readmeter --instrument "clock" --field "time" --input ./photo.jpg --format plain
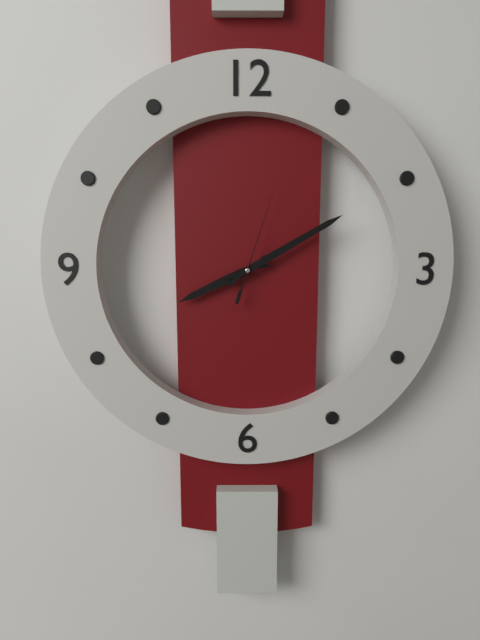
8:10:03
